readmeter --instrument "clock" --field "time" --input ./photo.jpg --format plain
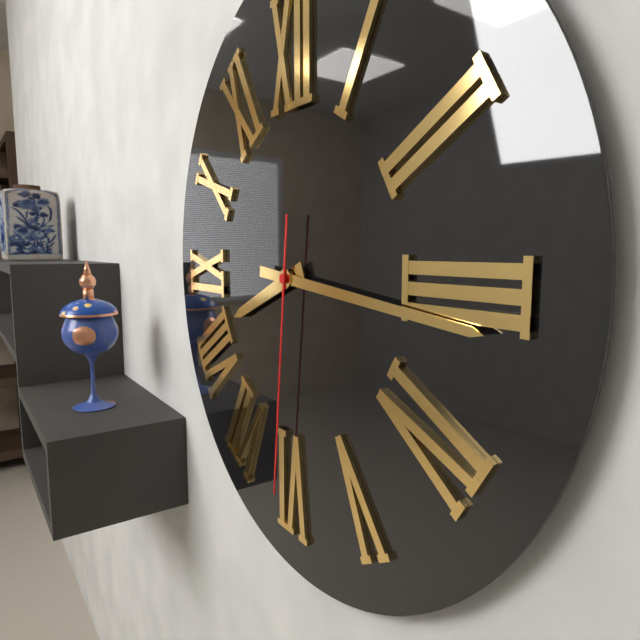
8:16:31
